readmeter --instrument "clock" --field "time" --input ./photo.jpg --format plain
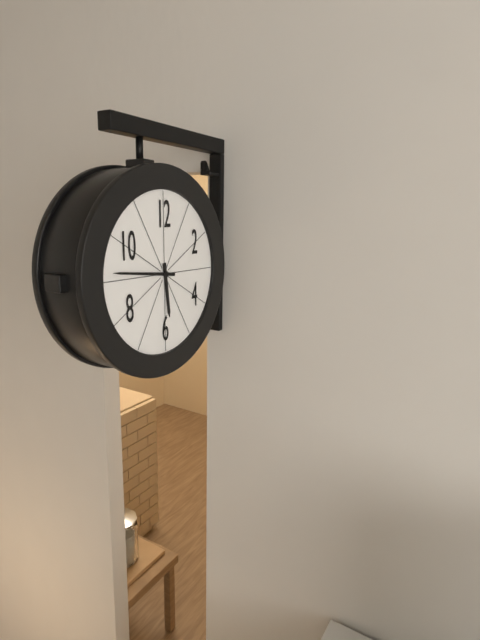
5:46
